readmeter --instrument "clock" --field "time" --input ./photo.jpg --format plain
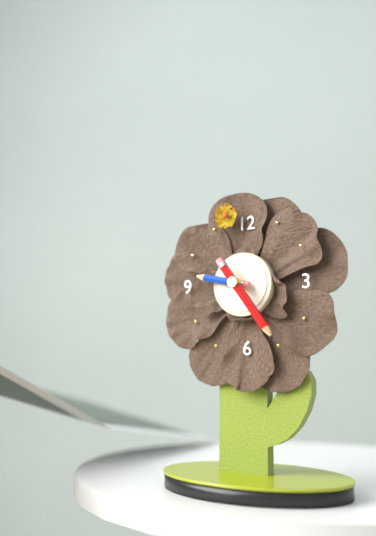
9:24
